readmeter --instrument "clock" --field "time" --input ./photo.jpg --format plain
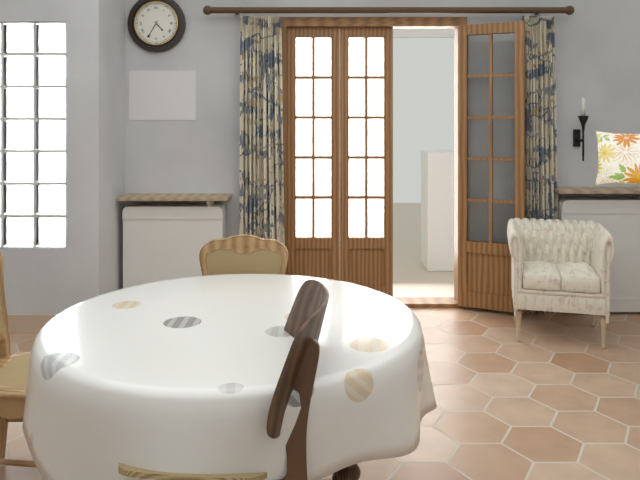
4:35
